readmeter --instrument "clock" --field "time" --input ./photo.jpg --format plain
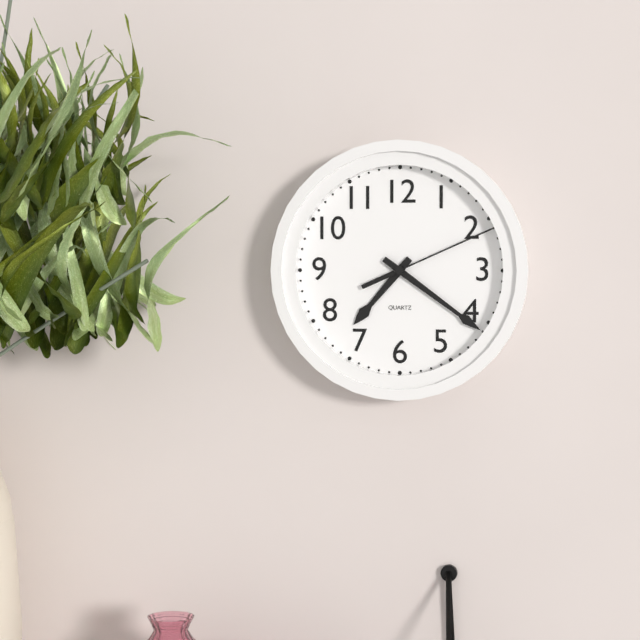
7:21:11
